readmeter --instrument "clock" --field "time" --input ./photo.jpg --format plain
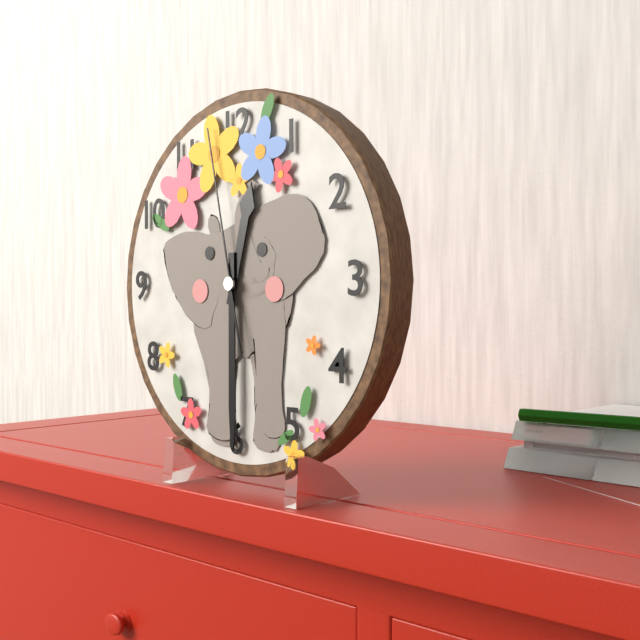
12:30:58
